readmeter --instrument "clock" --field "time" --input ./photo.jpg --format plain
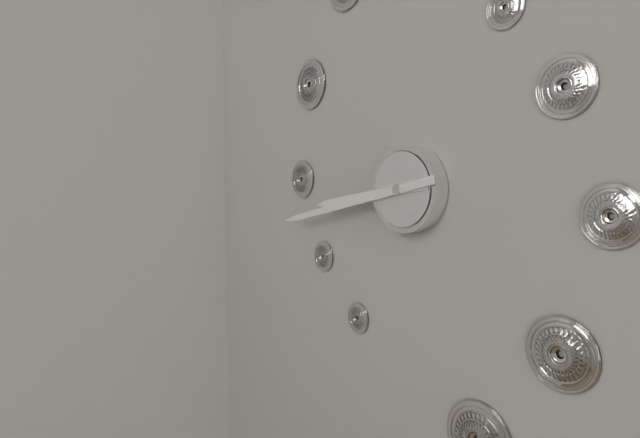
8:43
